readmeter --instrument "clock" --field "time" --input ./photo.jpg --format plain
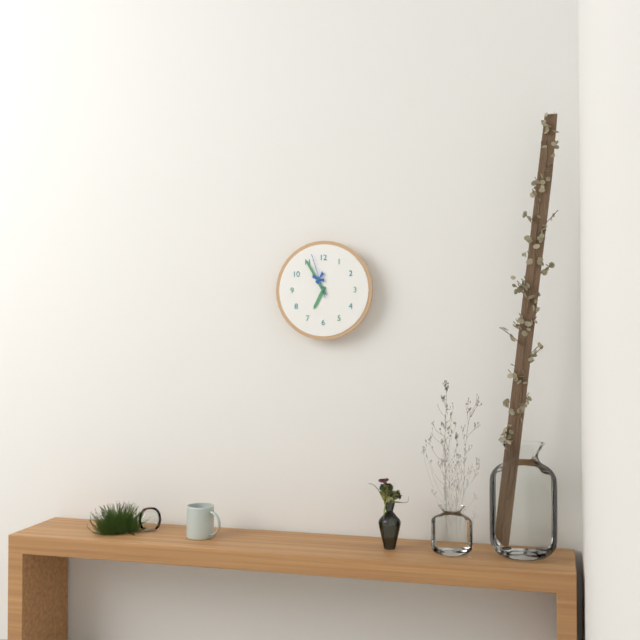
6:55
